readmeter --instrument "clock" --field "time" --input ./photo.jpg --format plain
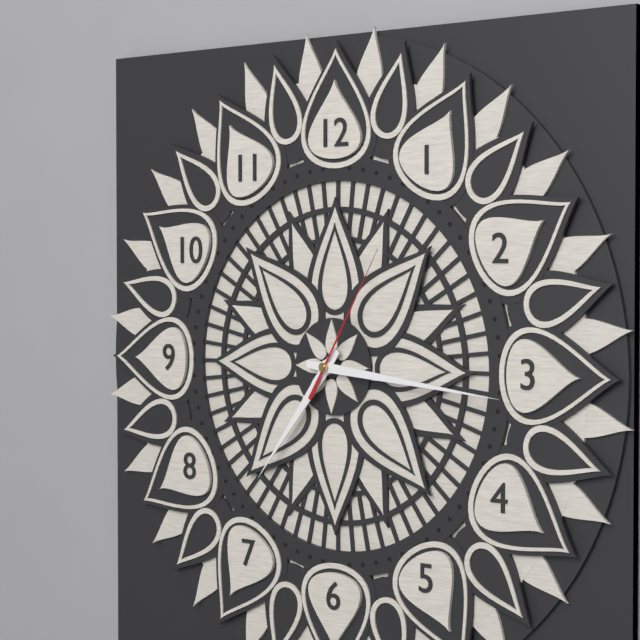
7:16:05
